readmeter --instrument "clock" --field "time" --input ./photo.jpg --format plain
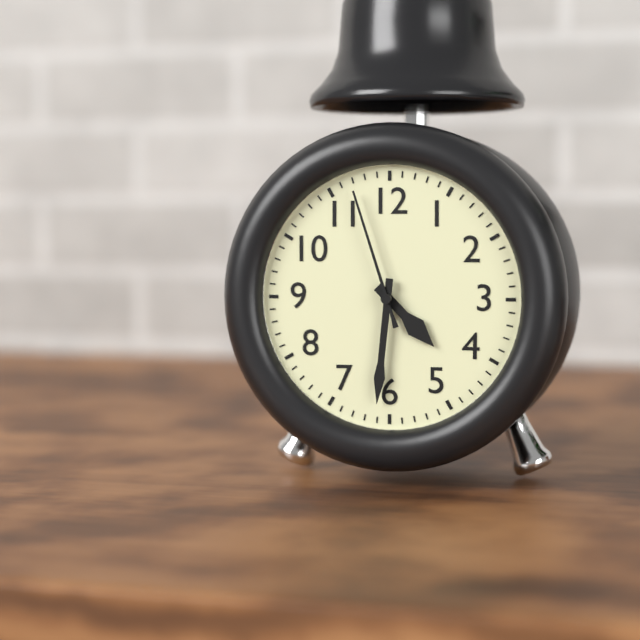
4:31:57
